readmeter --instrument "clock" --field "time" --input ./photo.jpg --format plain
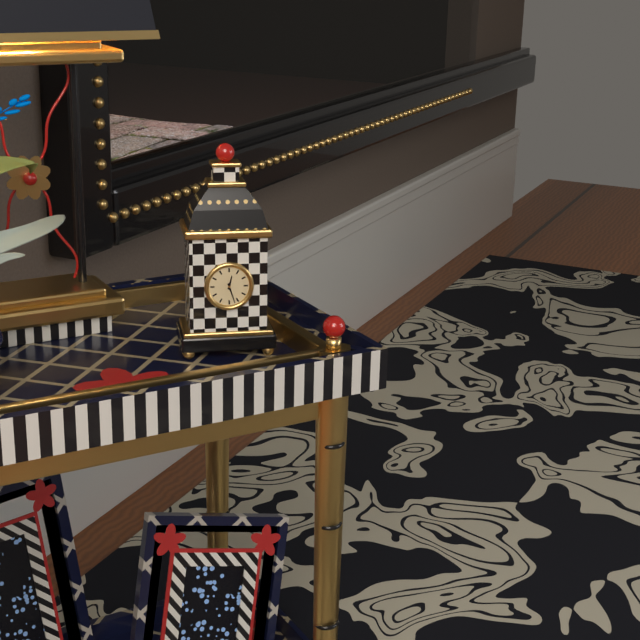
12:27
